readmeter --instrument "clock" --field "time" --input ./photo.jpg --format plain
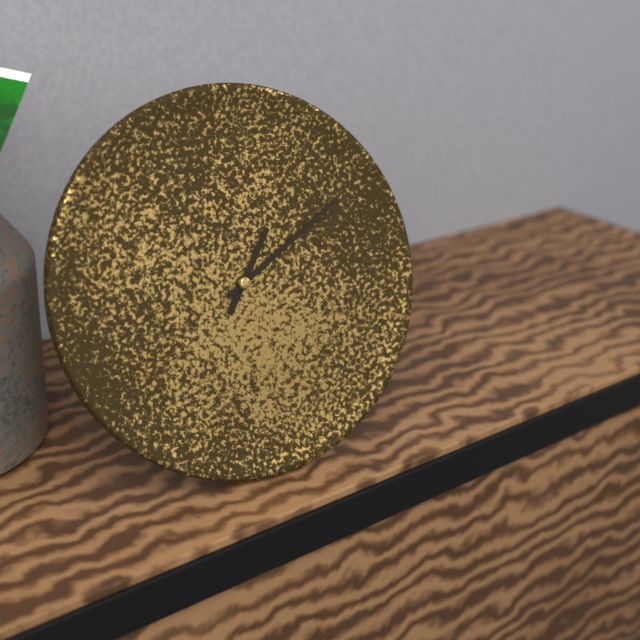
1:10
